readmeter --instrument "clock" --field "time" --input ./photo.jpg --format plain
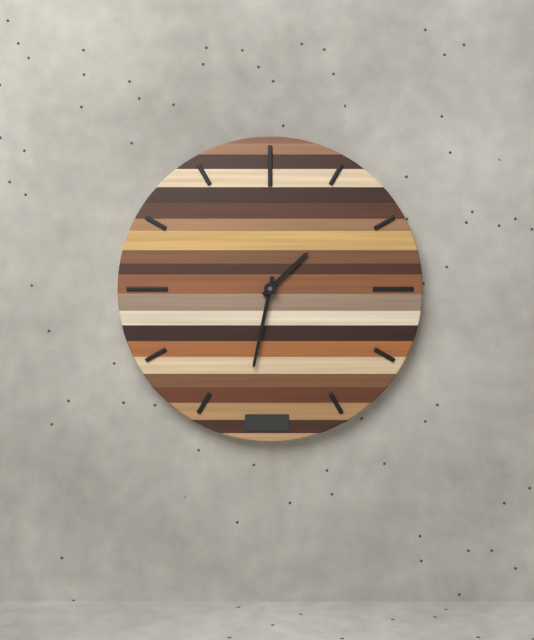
1:32
